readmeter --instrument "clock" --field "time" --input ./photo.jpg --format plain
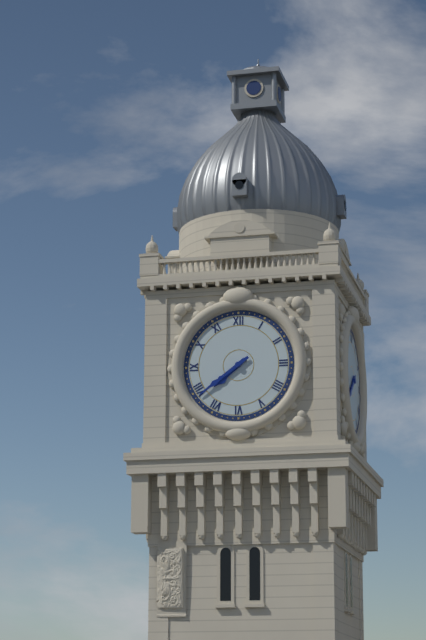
7:39
